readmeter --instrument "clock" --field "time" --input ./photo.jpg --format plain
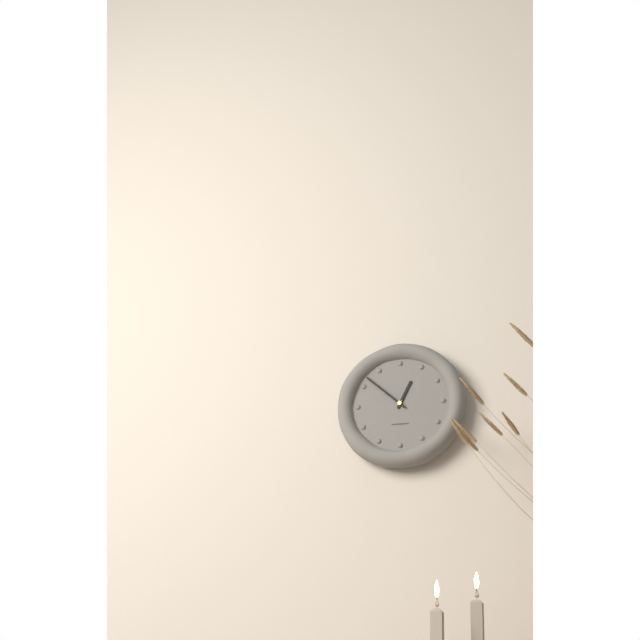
12:52
